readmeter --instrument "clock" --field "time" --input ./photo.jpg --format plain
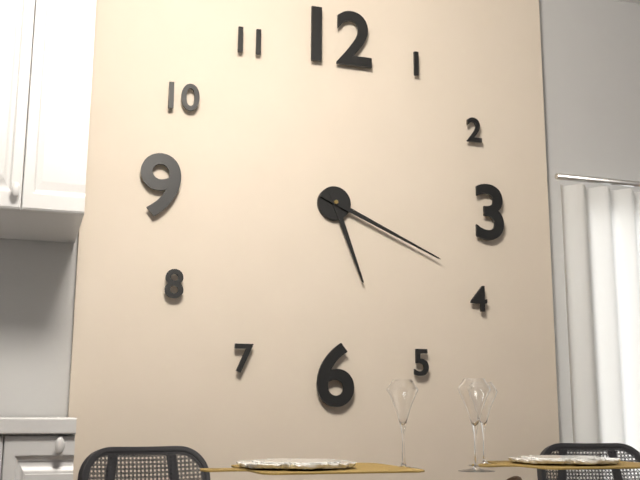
5:19
